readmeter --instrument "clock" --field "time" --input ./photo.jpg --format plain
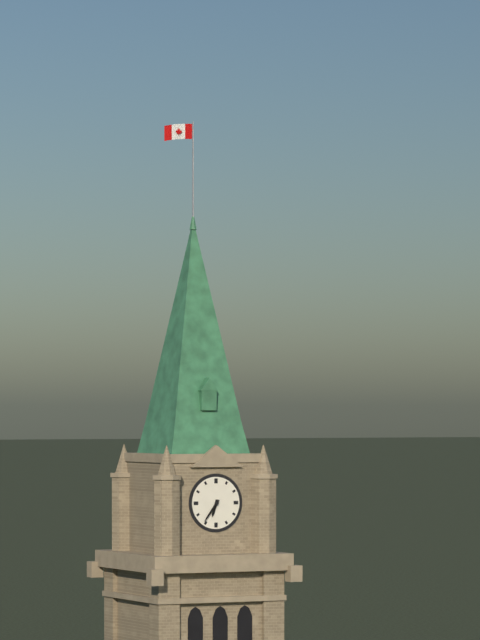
6:36
